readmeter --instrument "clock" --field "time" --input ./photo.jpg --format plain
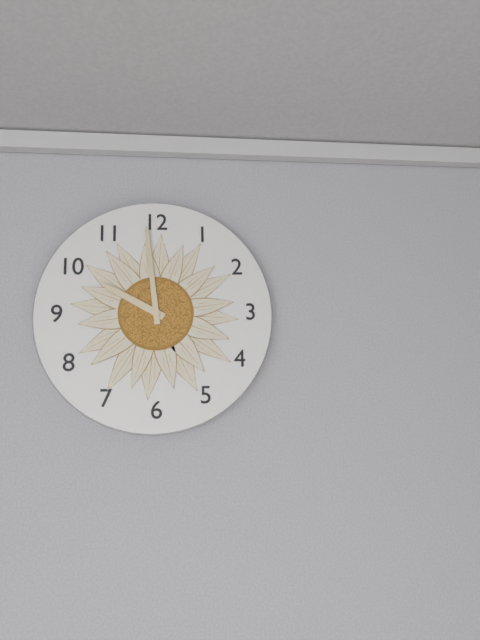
9:59
